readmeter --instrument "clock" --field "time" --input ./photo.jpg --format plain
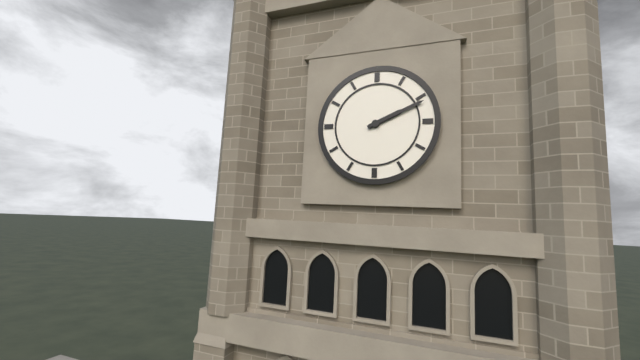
2:11
